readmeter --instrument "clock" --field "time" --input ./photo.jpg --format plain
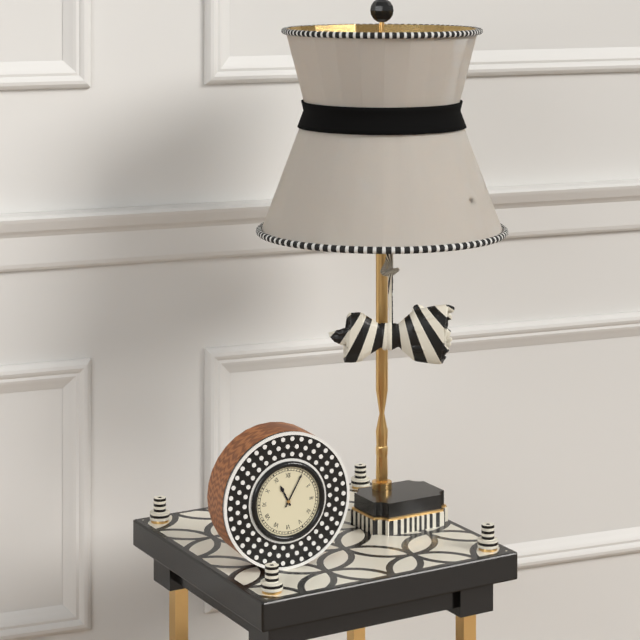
11:05
